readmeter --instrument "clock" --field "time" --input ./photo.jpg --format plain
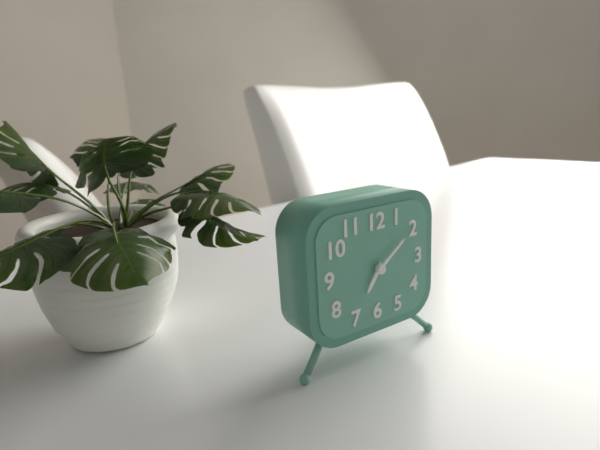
7:09
